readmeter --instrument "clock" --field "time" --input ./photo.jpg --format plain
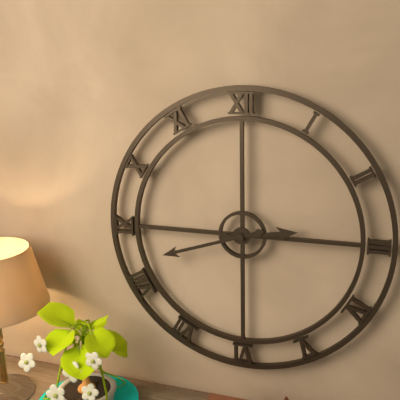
2:42
